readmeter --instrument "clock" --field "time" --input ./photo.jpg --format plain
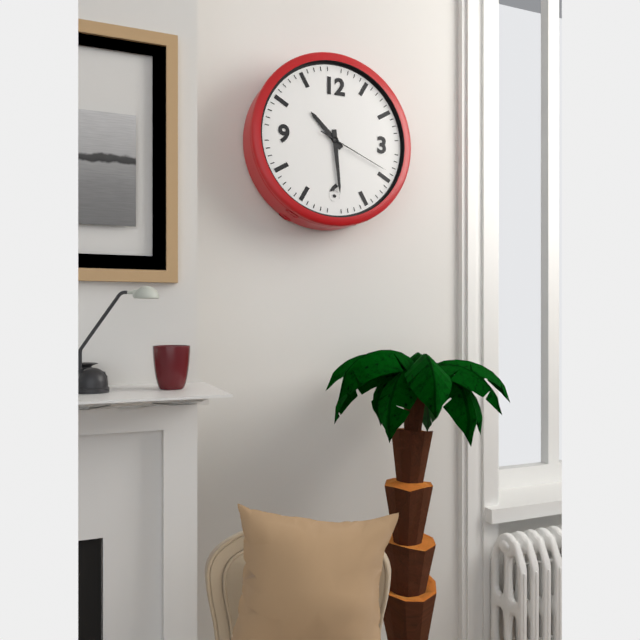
10:29:19
